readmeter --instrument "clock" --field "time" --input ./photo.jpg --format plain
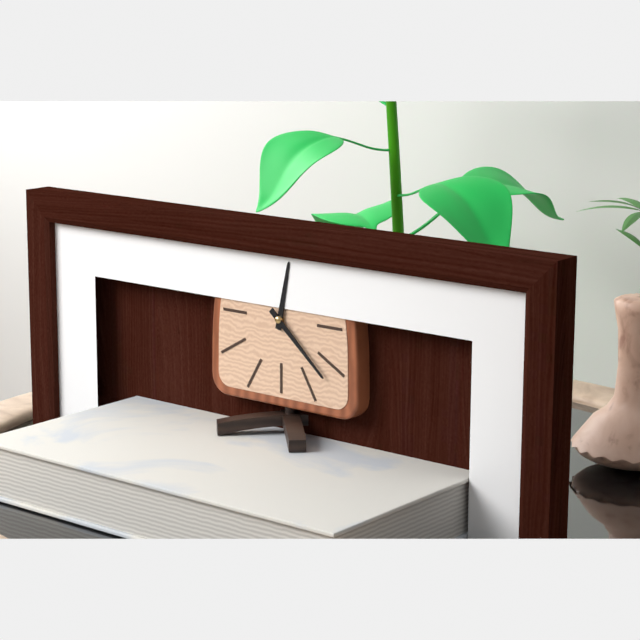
12:22
